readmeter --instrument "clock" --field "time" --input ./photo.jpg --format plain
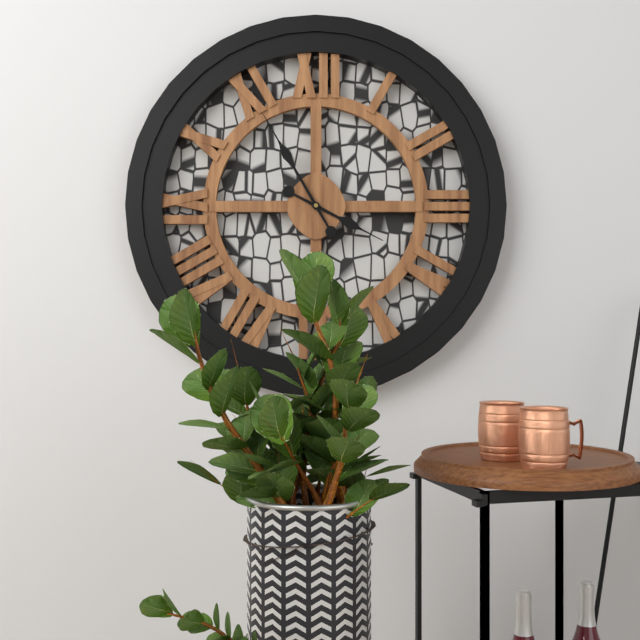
3:55
